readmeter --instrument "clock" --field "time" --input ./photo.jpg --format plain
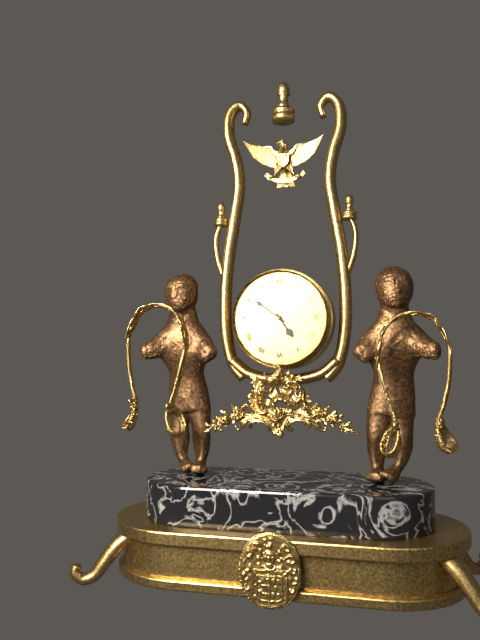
4:51
